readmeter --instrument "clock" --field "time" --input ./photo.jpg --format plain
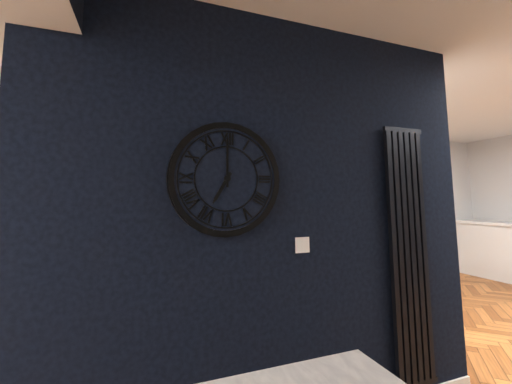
7:00
